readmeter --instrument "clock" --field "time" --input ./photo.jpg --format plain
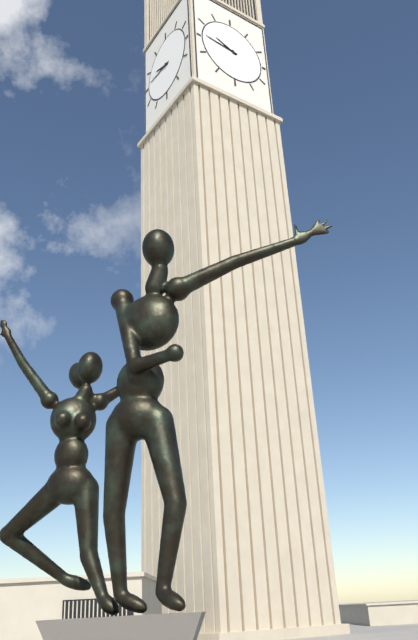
9:46
